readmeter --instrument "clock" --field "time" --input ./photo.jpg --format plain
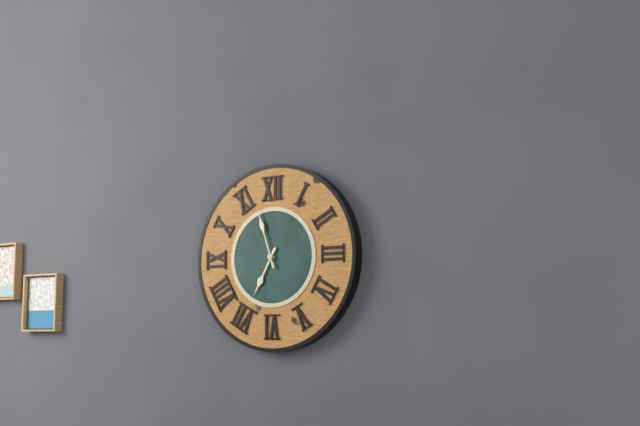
6:57
